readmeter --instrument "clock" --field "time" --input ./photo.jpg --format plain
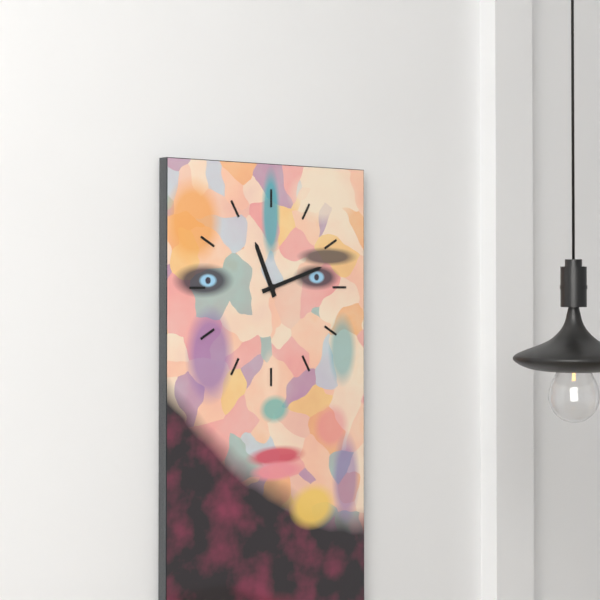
11:12
